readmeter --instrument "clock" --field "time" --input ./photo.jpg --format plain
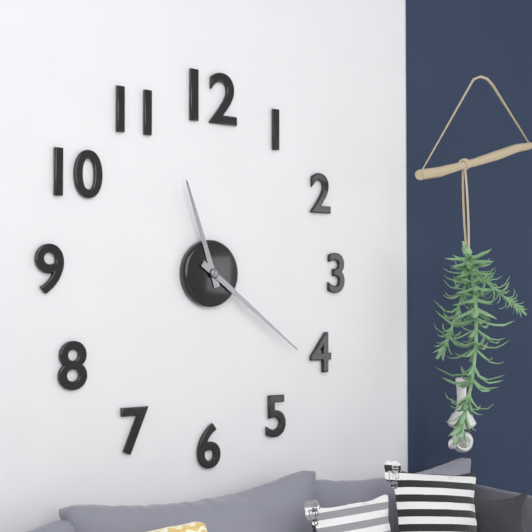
11:21
